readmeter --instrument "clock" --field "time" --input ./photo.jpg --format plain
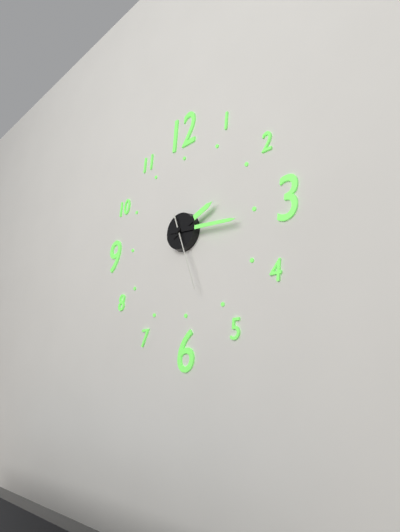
2:16:27
